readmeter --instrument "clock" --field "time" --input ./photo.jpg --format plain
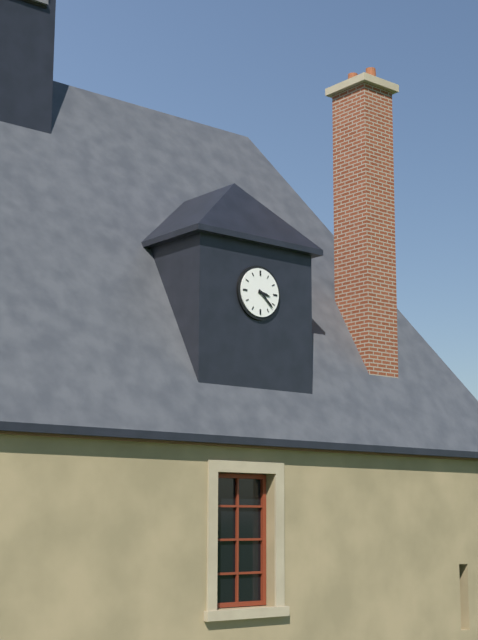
3:22
